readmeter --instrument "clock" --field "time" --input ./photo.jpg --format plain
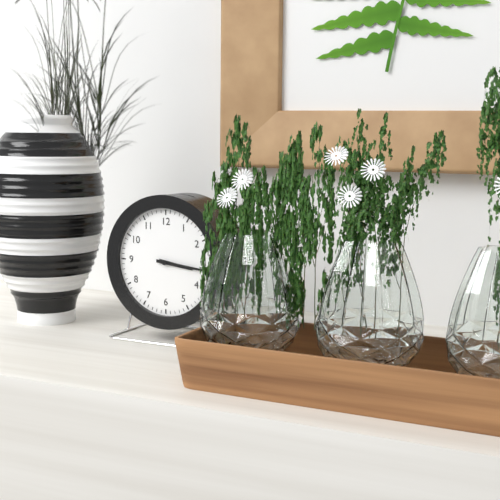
3:16
